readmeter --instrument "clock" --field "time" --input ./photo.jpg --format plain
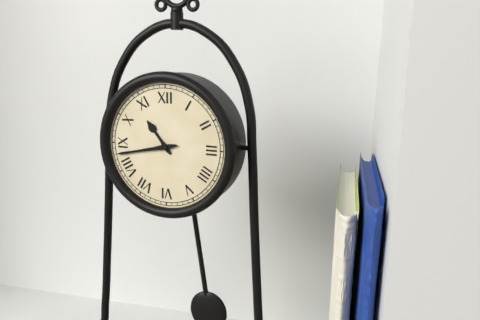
10:43
